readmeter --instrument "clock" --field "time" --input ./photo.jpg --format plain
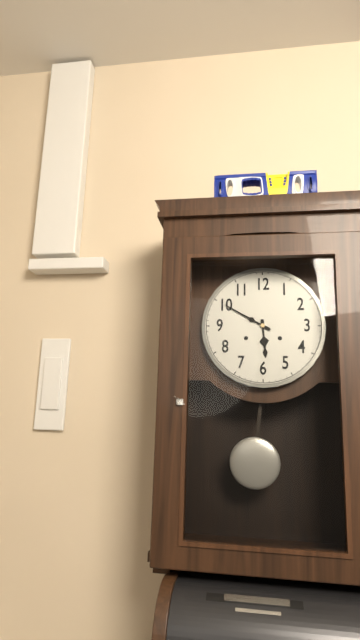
5:50
